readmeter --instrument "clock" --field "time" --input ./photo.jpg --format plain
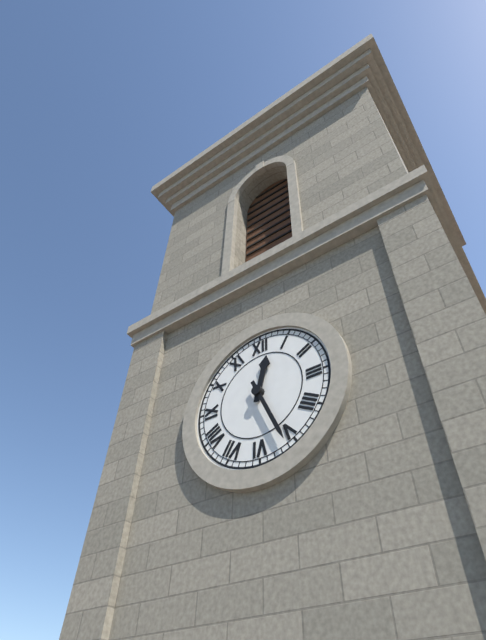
12:26
